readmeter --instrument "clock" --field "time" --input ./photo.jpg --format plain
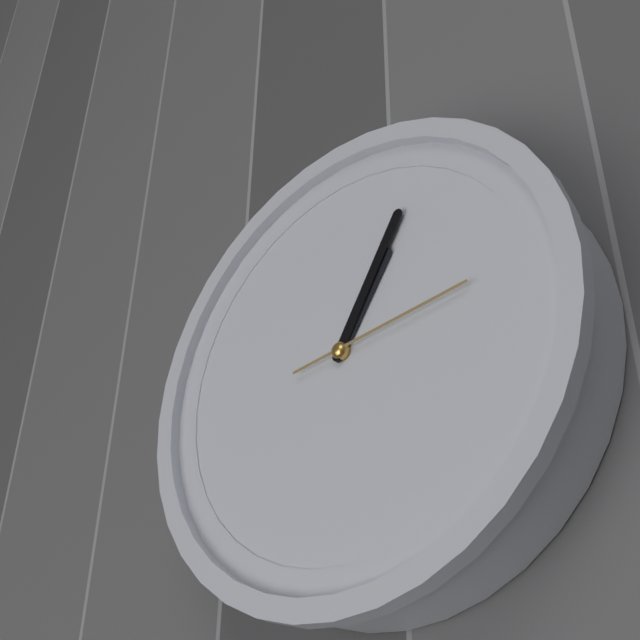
1:05:14
